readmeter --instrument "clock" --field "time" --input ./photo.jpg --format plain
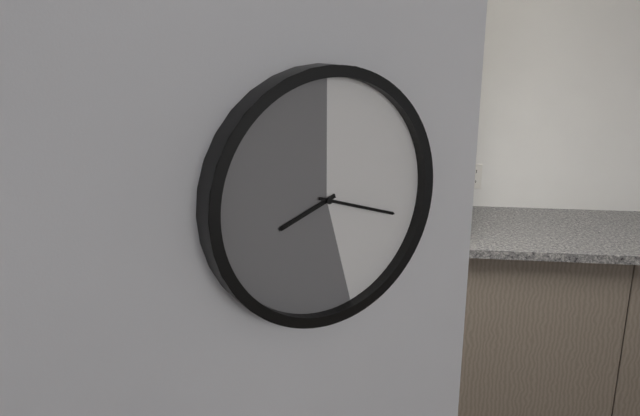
8:18
